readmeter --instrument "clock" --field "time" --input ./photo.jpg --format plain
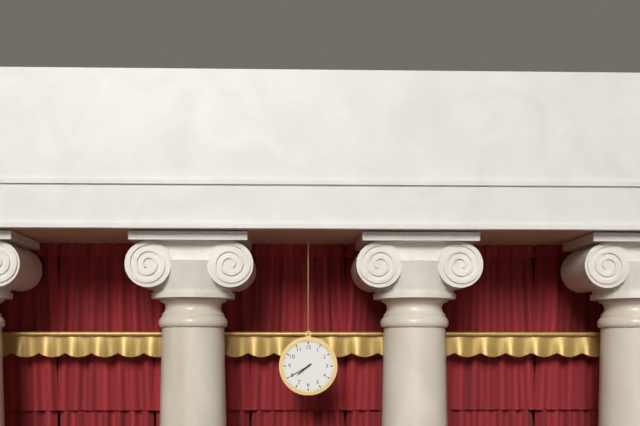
7:40
